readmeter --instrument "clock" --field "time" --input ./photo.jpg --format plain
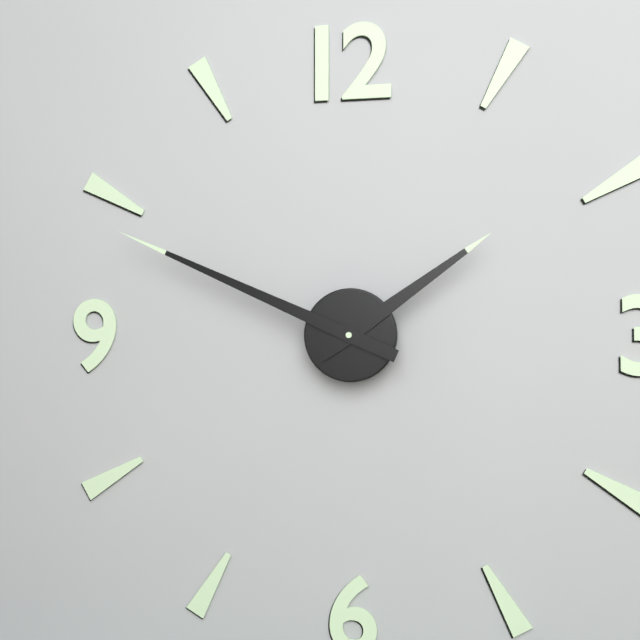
1:49
